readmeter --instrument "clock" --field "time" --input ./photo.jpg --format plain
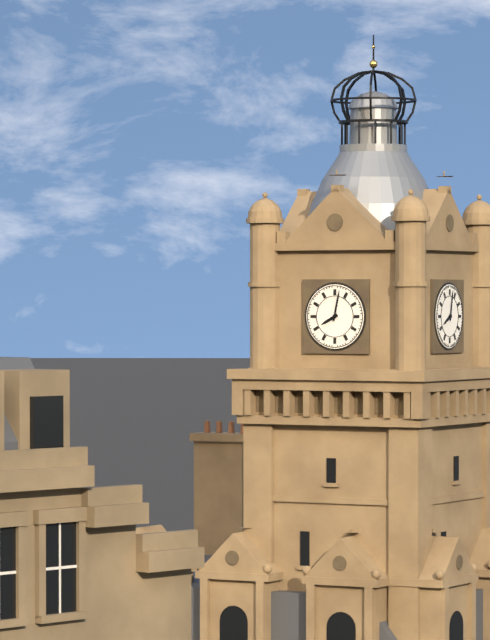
8:02
